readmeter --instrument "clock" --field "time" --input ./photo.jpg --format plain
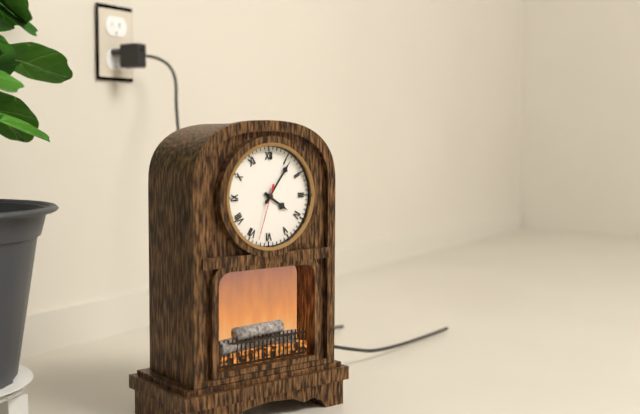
4:06:33
